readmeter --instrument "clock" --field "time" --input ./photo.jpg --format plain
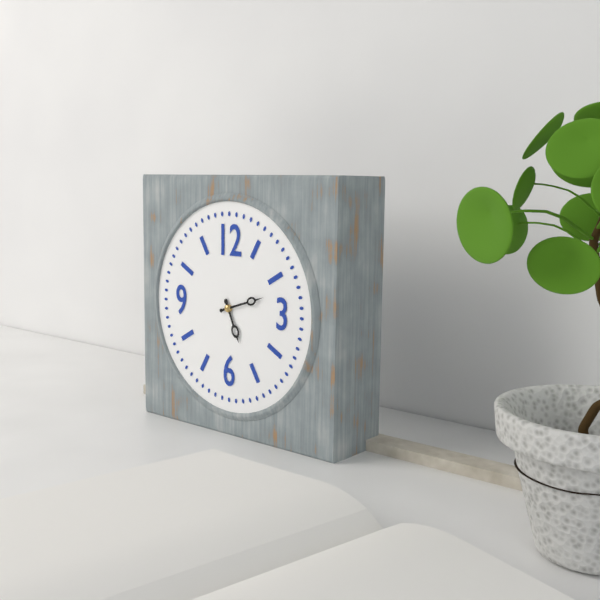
5:12
